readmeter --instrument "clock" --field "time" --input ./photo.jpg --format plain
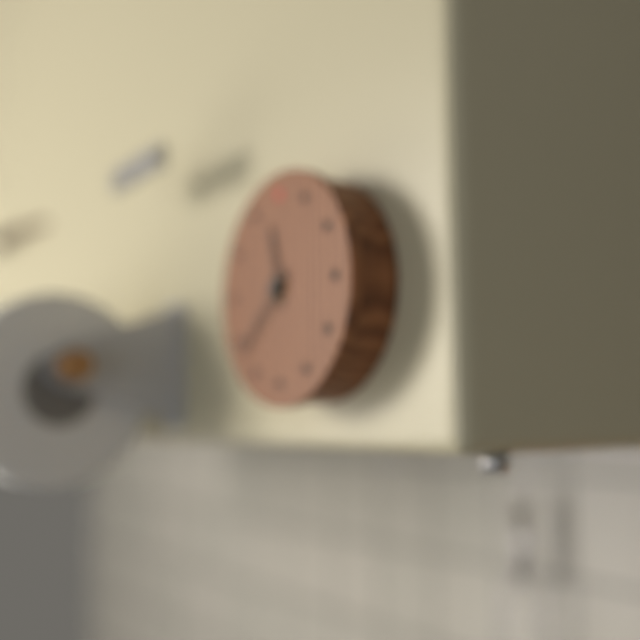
11:38
